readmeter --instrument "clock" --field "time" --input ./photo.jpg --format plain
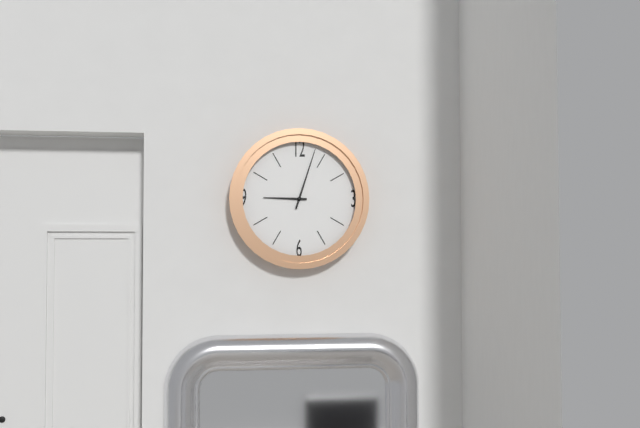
9:03
